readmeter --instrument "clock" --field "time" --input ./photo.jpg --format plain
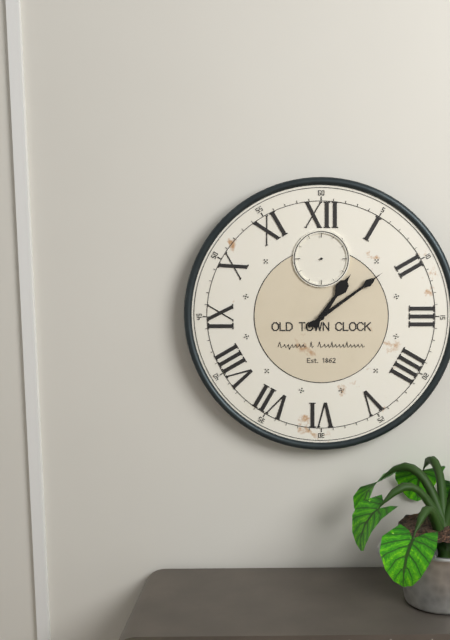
1:09
